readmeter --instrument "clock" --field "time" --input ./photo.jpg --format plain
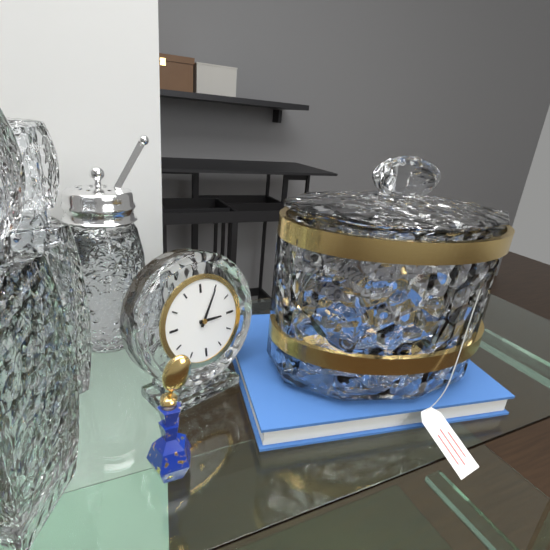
3:05
